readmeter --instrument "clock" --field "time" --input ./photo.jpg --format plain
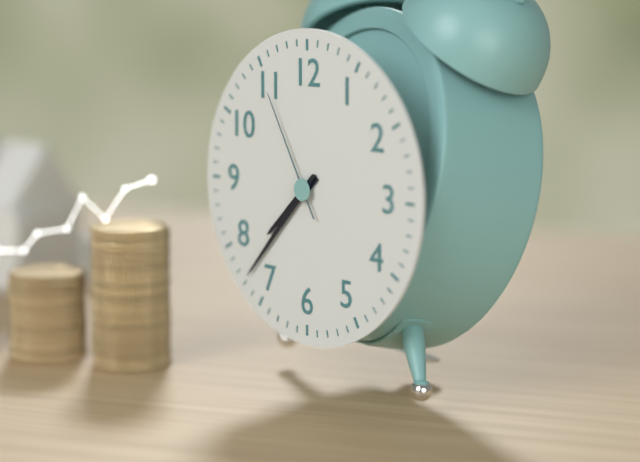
7:37:55
